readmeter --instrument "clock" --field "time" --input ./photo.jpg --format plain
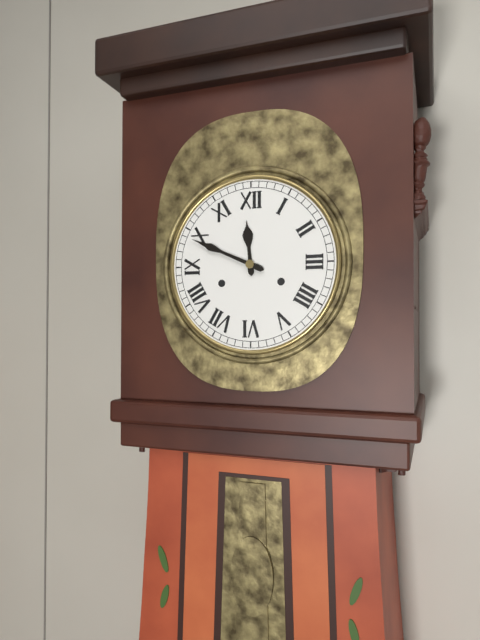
11:49
